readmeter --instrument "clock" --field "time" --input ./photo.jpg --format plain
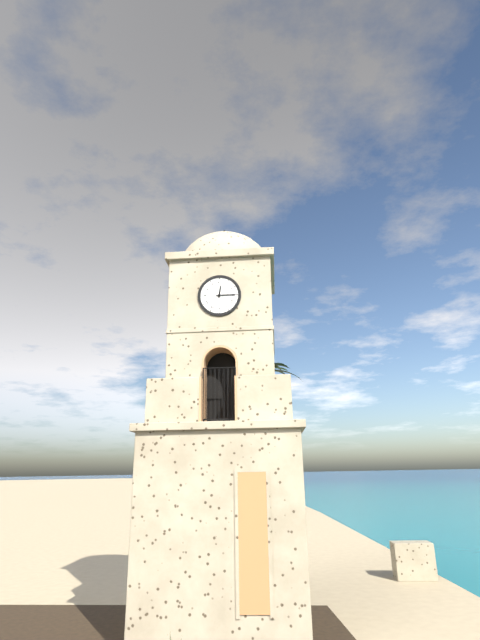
12:15
